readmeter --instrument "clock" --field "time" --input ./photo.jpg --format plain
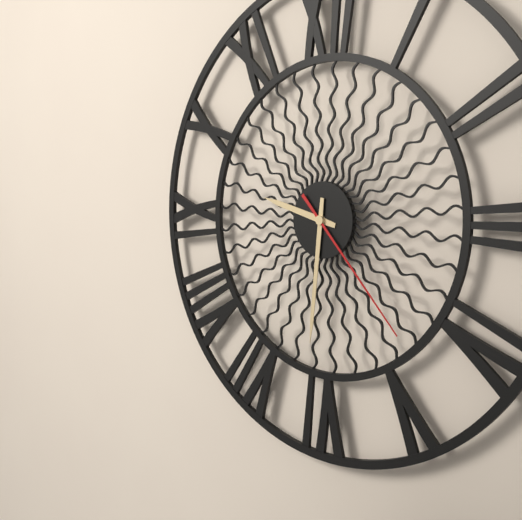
9:31:23
